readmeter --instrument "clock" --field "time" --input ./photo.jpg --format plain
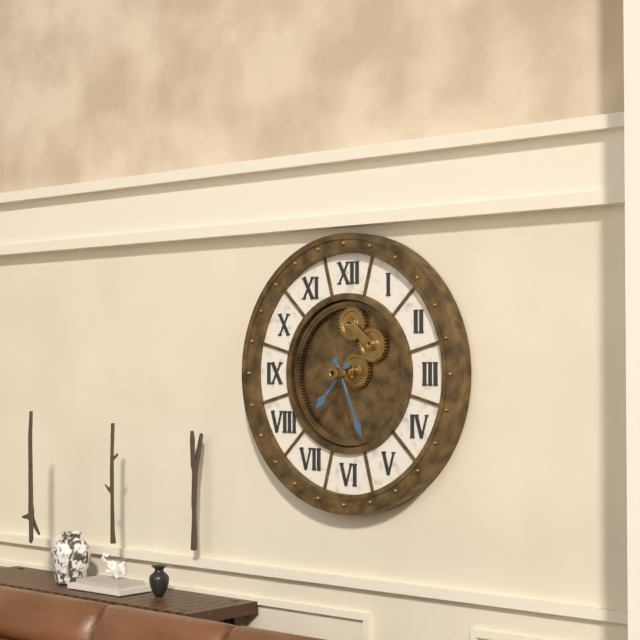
7:26
